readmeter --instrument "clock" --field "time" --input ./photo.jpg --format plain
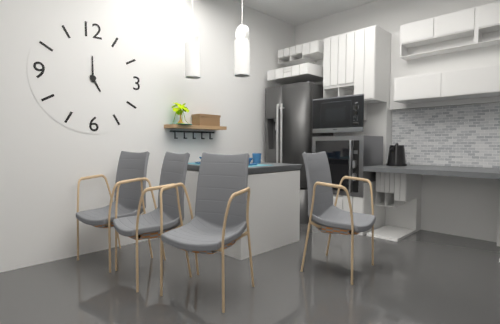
5:00
